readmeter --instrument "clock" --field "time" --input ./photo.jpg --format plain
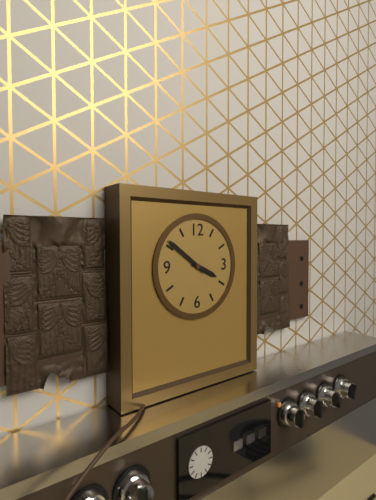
3:51
